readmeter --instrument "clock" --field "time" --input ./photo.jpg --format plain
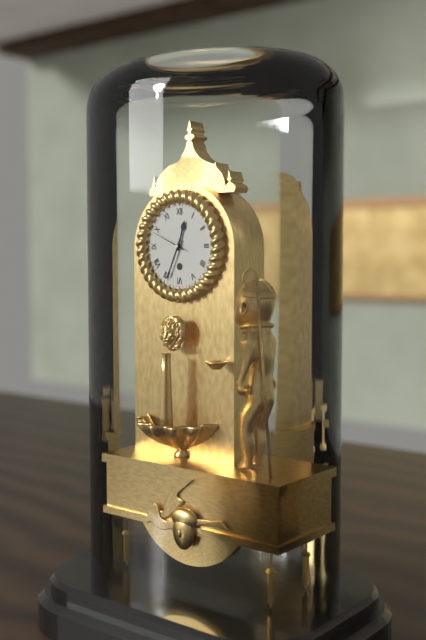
12:34
